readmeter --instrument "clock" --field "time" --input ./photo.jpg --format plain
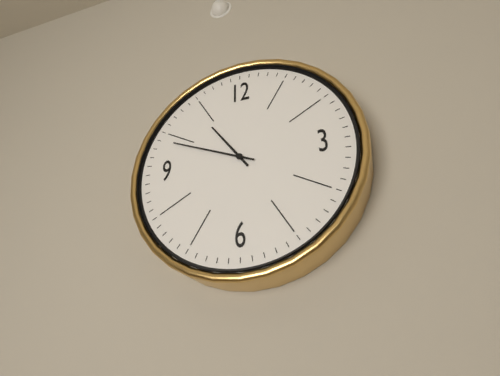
10:49
